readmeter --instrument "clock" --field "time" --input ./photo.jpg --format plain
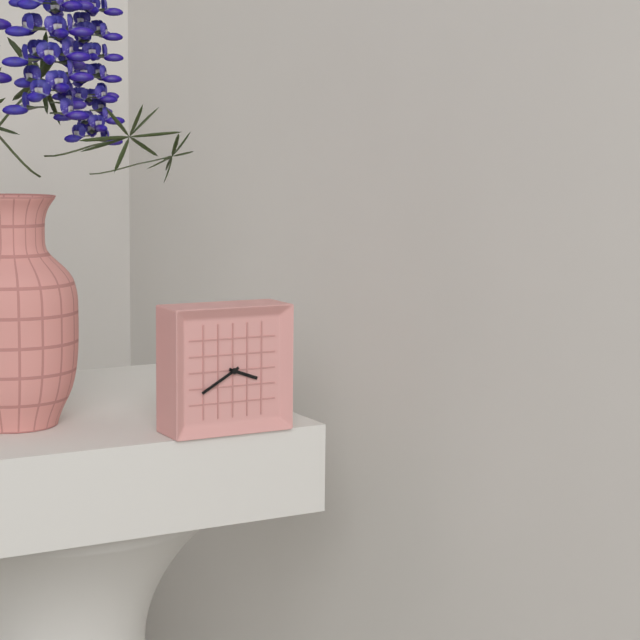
3:40
